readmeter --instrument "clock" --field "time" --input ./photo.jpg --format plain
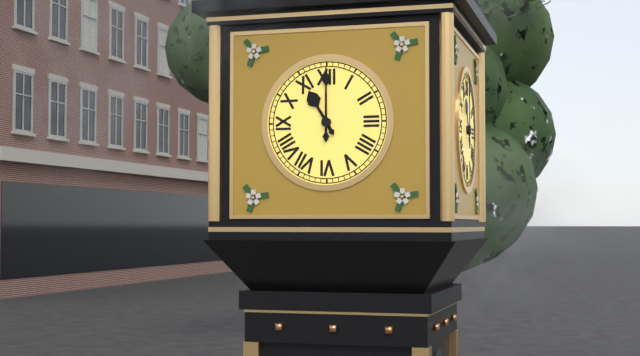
11:00
